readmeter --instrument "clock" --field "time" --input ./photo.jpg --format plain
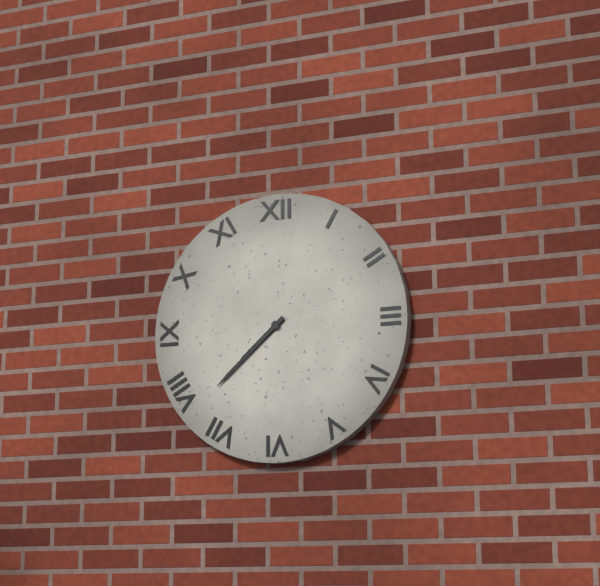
7:38
